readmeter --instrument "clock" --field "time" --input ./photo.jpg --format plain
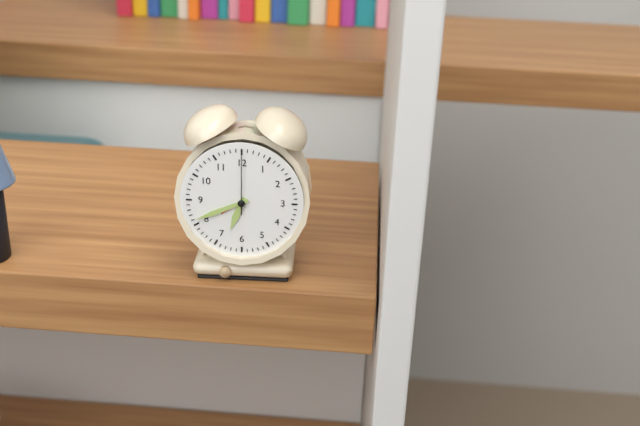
6:41:00
